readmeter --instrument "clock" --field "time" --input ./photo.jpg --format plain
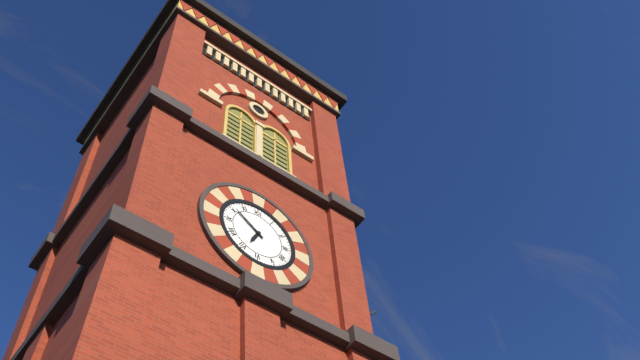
6:51
